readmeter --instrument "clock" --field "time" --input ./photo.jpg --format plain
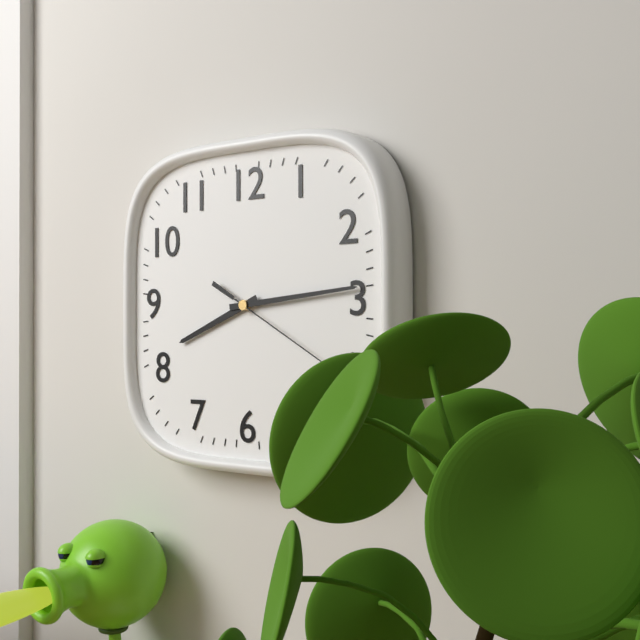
8:14:20
